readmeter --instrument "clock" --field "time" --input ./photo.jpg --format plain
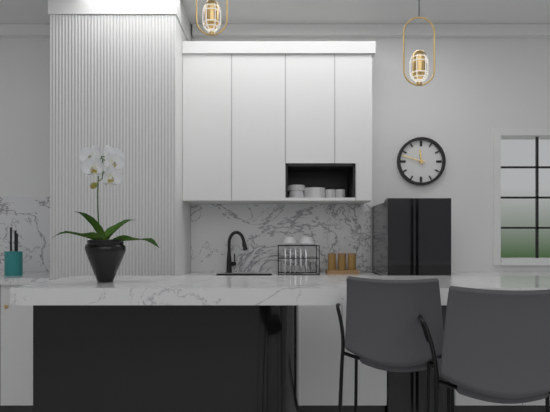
11:48
